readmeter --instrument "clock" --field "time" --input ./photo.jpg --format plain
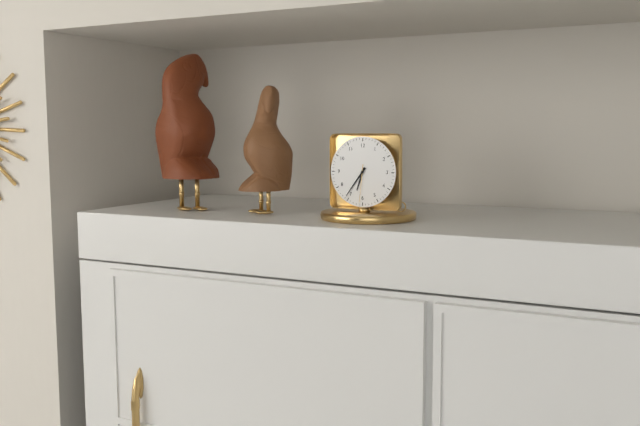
6:36
